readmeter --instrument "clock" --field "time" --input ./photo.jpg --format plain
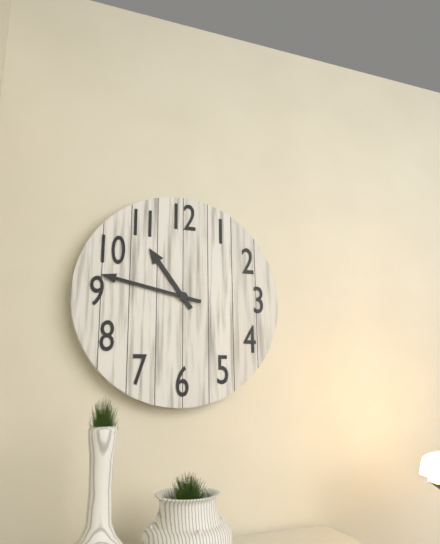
10:47
